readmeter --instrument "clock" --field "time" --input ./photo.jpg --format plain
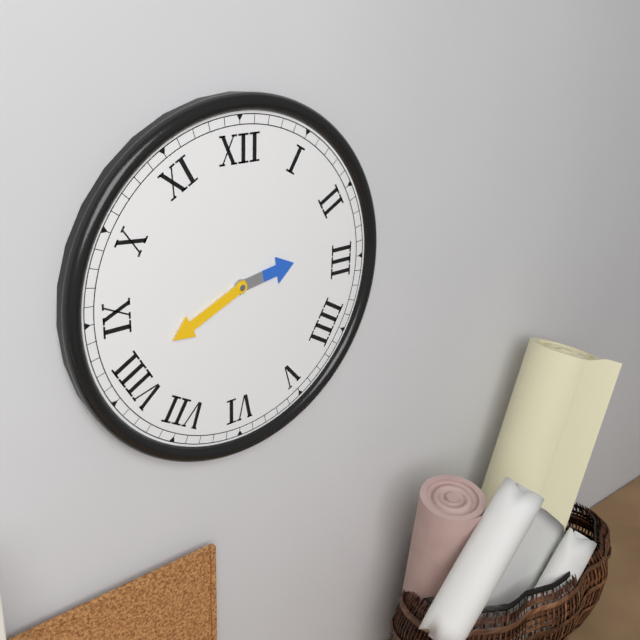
2:41
